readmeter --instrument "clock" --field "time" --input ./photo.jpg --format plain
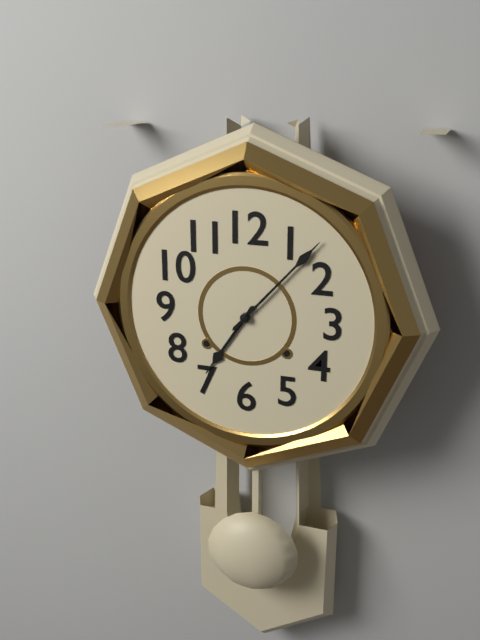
7:07
